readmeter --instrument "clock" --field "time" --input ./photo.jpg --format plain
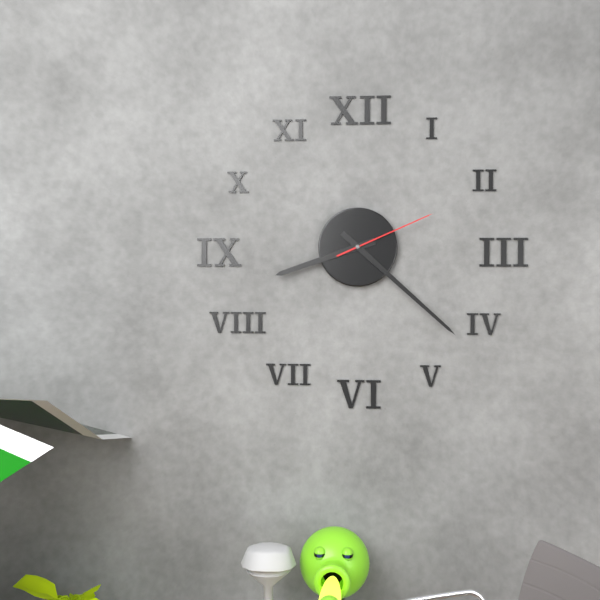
8:22:11
